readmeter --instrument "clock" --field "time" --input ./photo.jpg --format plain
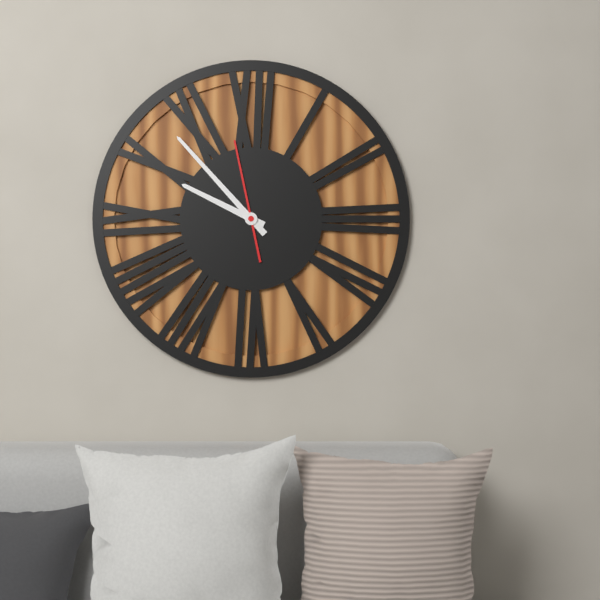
9:53:58
